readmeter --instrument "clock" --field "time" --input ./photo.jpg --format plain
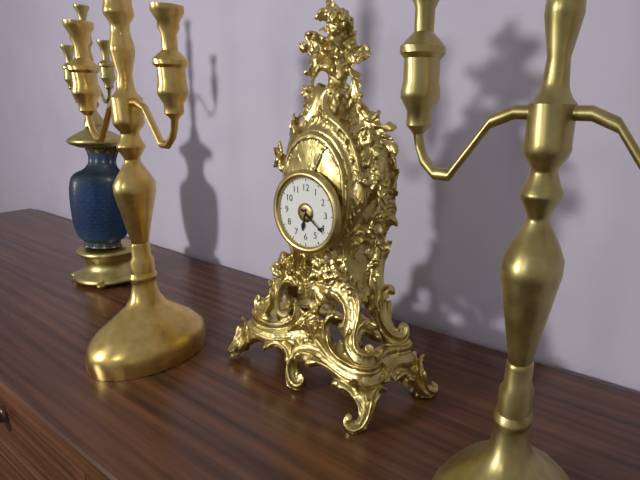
6:21
